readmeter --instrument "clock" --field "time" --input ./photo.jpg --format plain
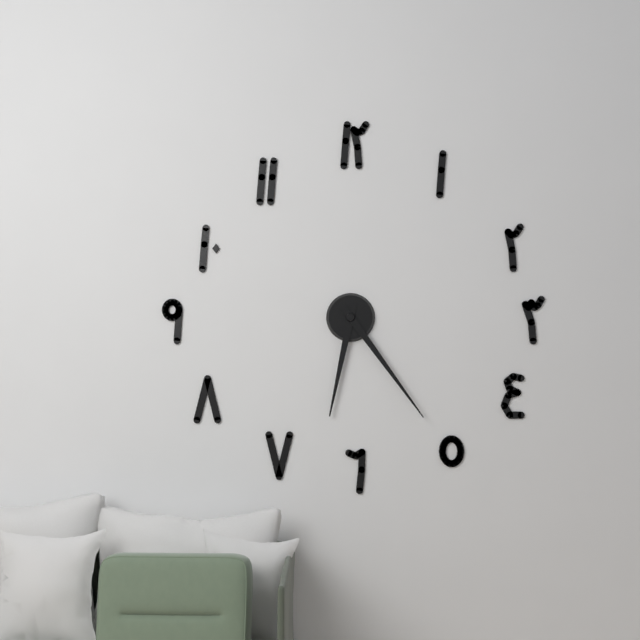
6:24
